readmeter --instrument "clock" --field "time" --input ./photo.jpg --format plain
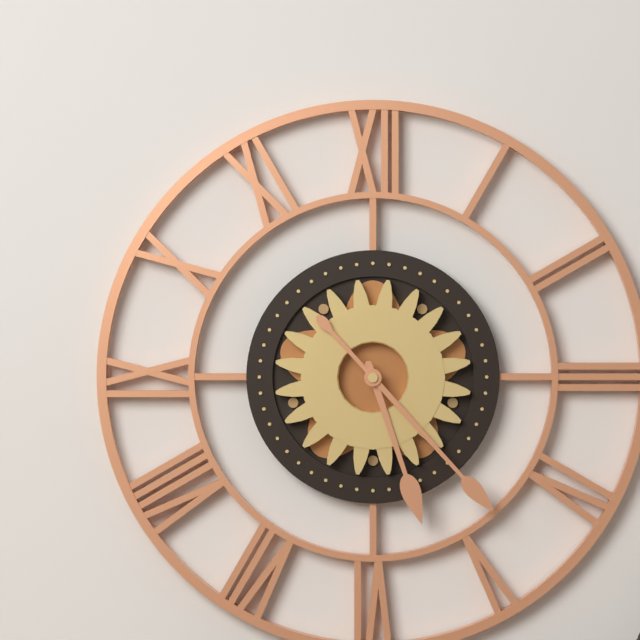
5:23
